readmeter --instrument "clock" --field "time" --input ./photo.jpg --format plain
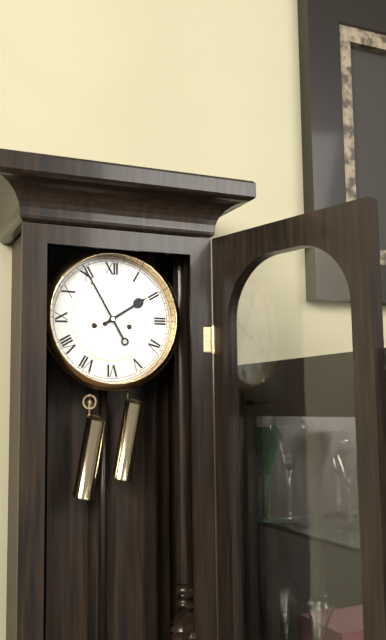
1:55
